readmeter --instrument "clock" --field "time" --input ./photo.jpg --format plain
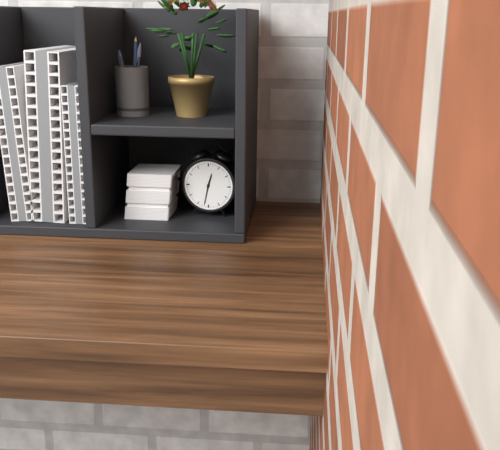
12:32
